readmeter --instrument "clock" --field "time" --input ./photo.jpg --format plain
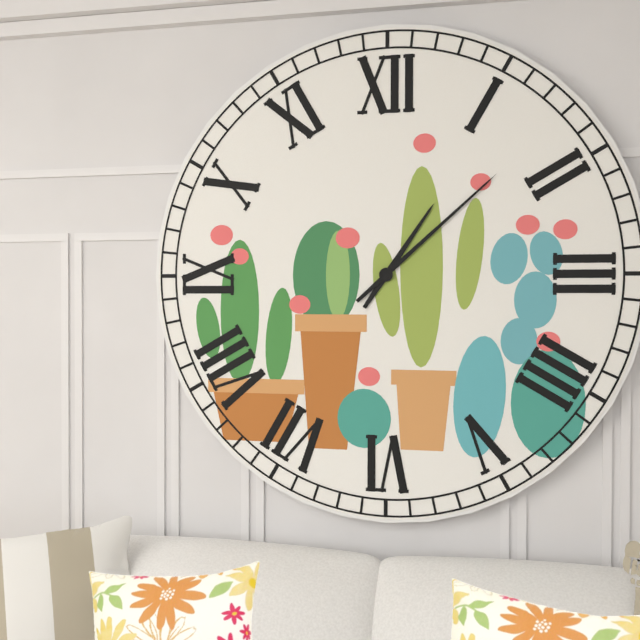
1:08
